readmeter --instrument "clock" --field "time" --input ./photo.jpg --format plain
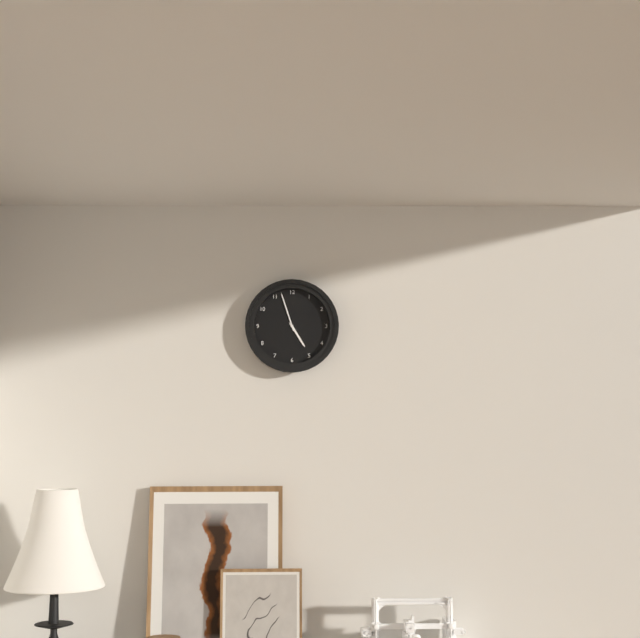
4:57
